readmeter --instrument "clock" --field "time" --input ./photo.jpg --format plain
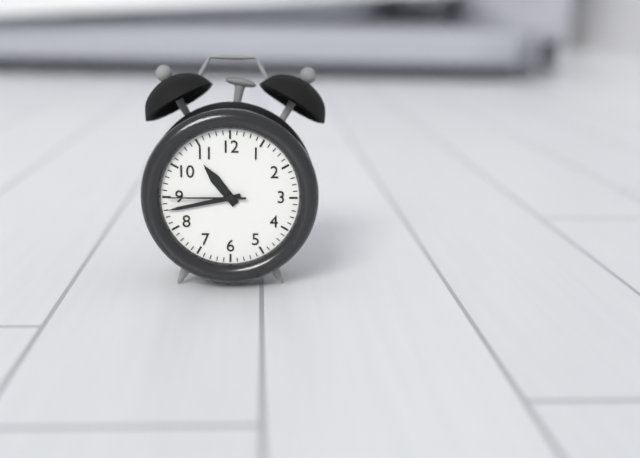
10:43:45
